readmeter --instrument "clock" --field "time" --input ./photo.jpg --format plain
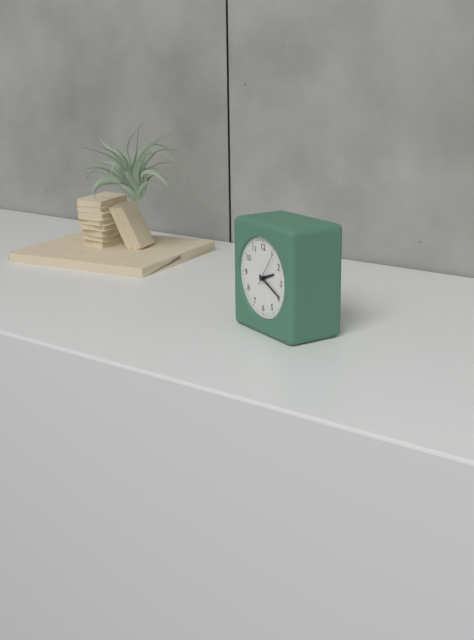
2:19
